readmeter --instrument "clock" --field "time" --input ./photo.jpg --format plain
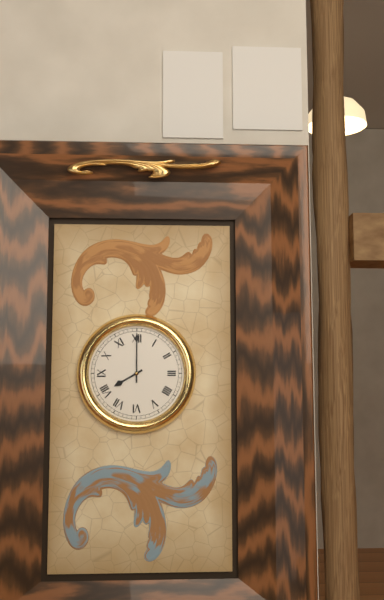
8:00
